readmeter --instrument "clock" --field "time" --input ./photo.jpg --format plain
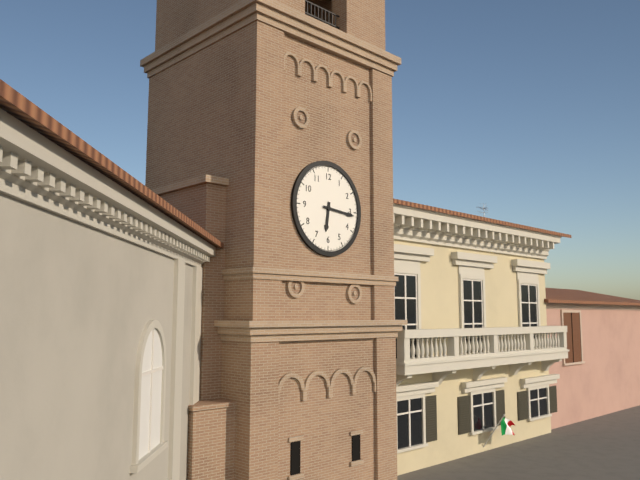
6:16
